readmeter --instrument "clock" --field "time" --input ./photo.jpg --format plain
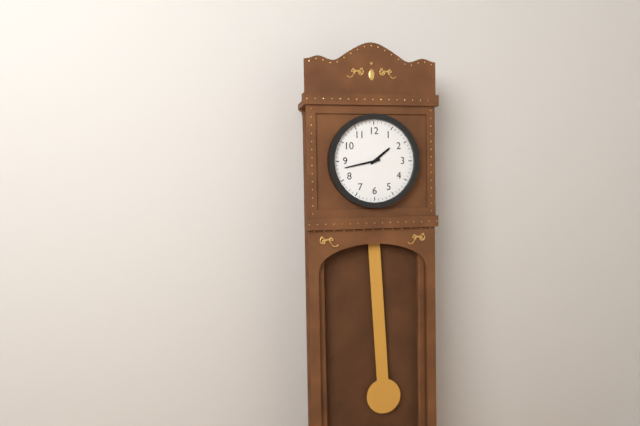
1:43
